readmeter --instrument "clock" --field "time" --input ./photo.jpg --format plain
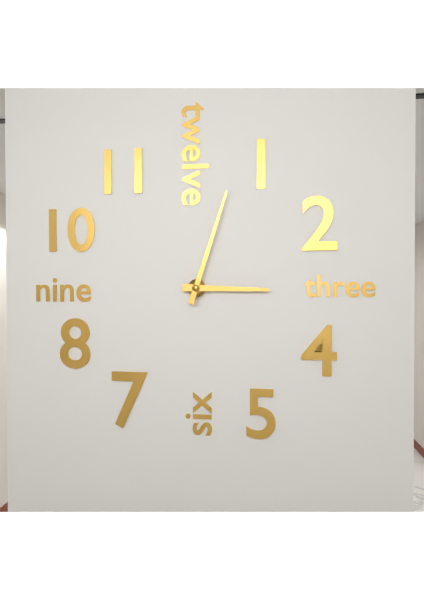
3:03
